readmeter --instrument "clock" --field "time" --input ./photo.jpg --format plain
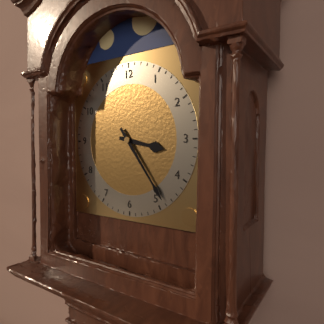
3:24
